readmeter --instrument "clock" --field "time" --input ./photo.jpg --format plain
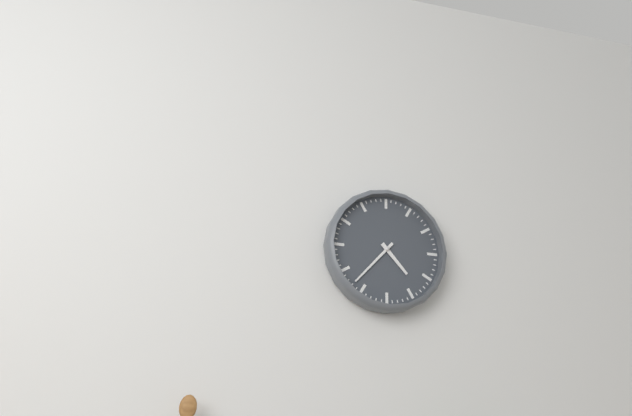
4:37
